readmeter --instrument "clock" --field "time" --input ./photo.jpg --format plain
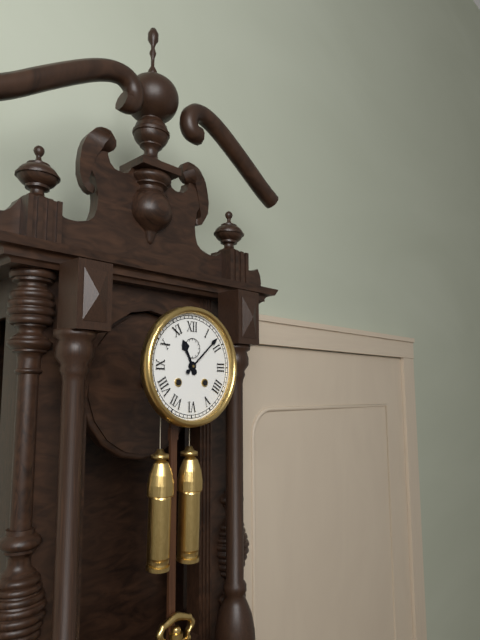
11:08
